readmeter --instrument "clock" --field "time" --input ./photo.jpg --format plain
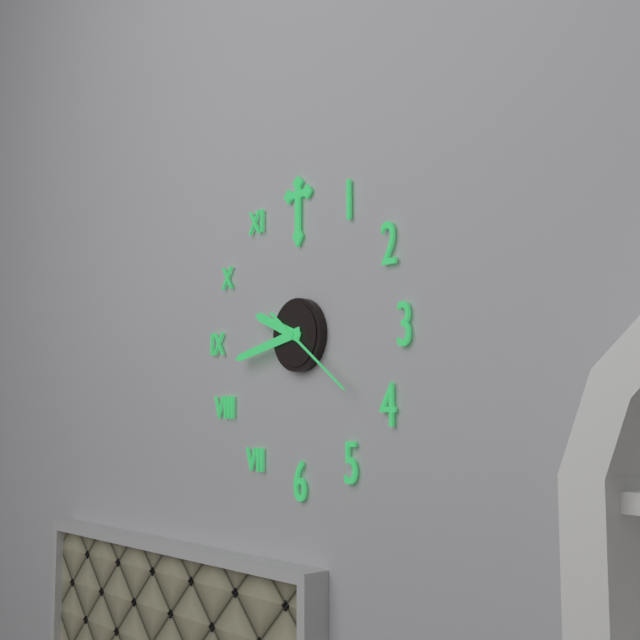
9:43:21
